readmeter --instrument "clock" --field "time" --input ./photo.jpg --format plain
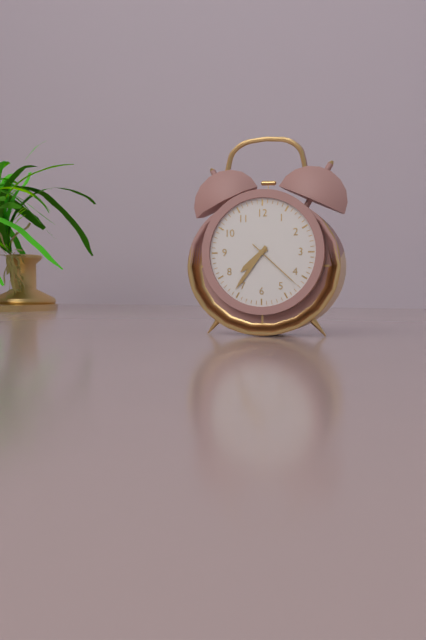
7:36:22
